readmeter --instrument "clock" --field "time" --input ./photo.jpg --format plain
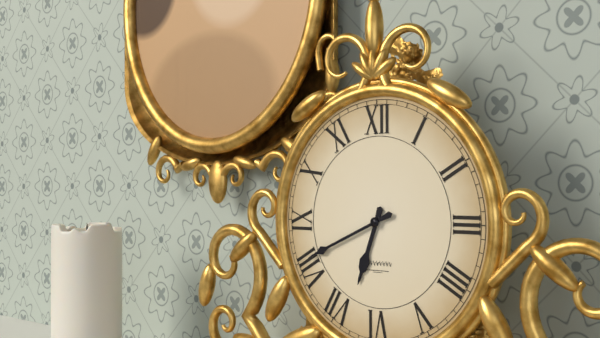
6:41
